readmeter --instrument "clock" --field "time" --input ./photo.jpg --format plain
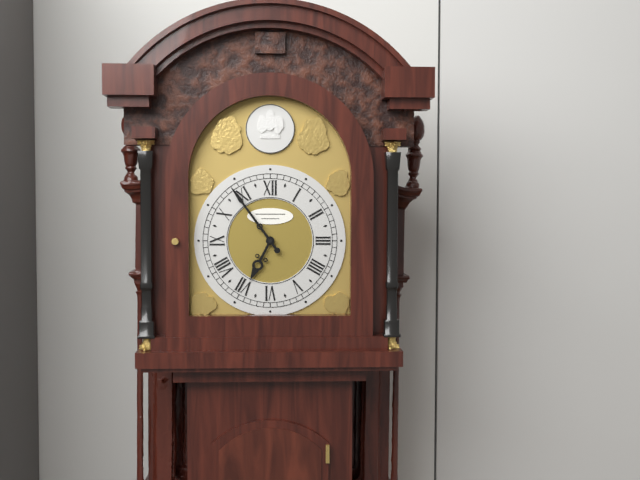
6:54
